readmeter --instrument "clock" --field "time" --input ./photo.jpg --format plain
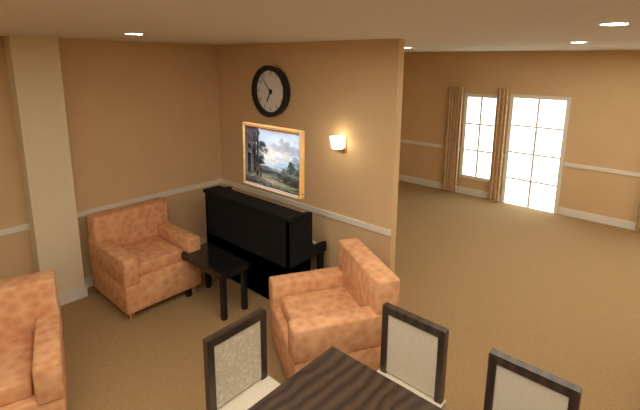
6:53
